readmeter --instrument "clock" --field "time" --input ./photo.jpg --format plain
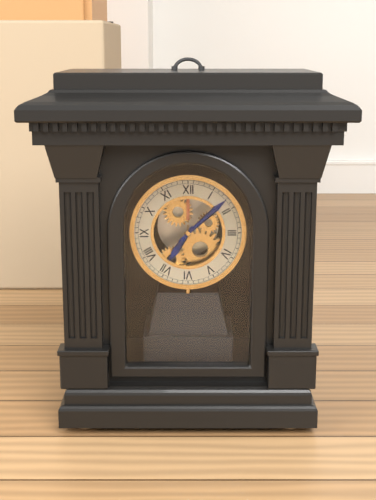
7:08
